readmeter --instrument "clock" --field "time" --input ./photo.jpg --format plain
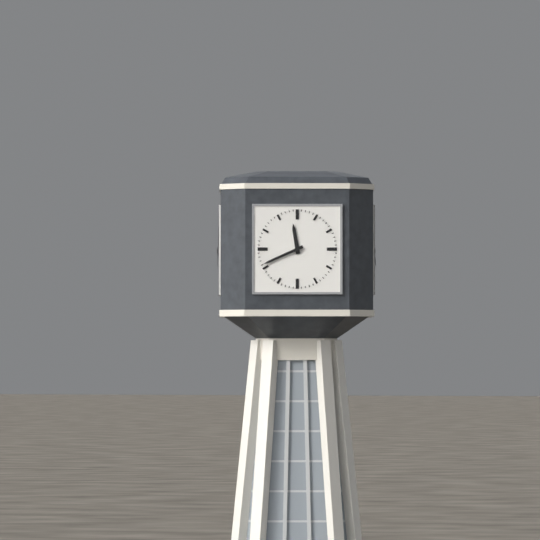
11:41
